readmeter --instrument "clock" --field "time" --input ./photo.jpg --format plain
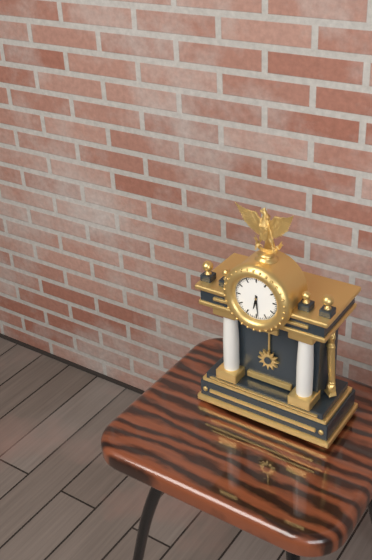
6:29
